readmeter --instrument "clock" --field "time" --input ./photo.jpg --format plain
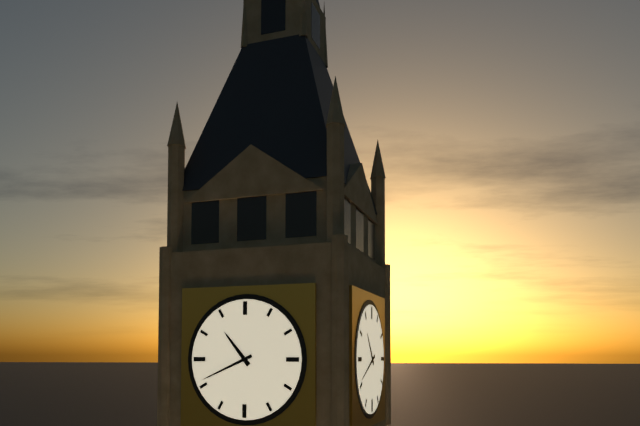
10:41
